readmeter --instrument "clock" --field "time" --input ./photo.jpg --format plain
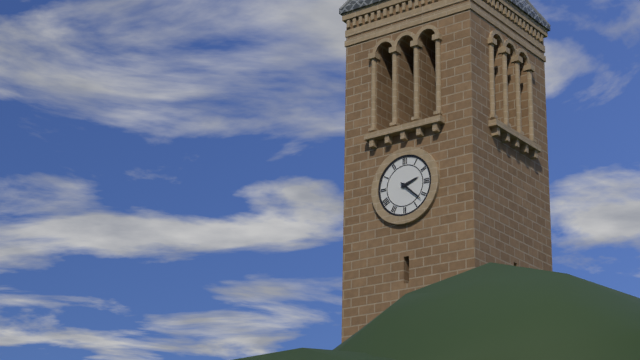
2:22
